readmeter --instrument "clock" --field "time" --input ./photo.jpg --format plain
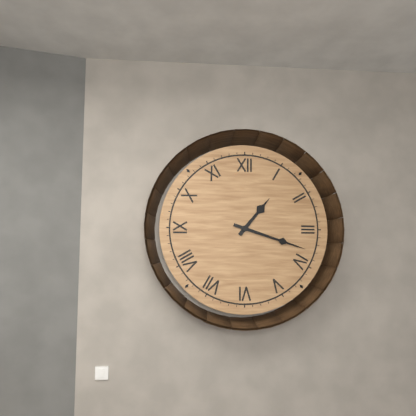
1:18
